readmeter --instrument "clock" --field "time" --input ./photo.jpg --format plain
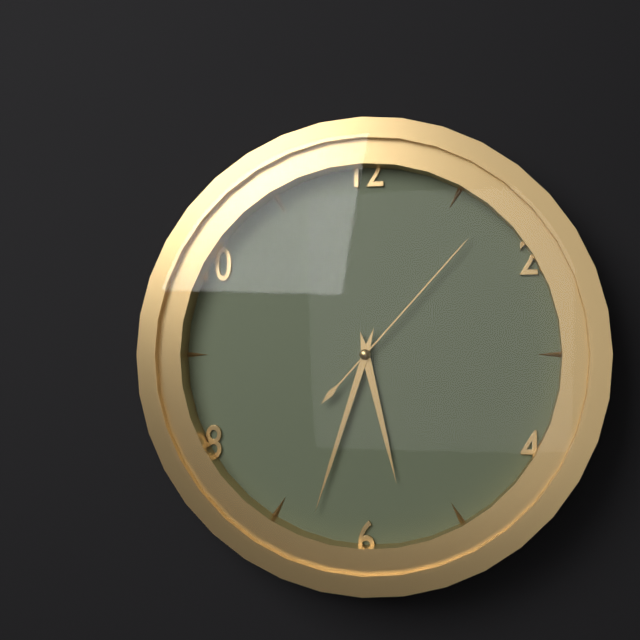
5:33:07
